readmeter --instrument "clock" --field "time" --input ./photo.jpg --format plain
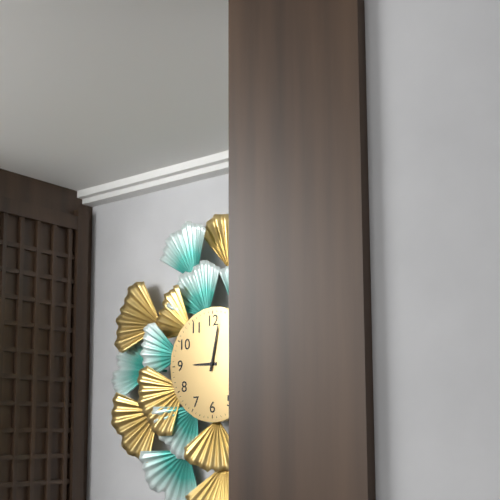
9:02
